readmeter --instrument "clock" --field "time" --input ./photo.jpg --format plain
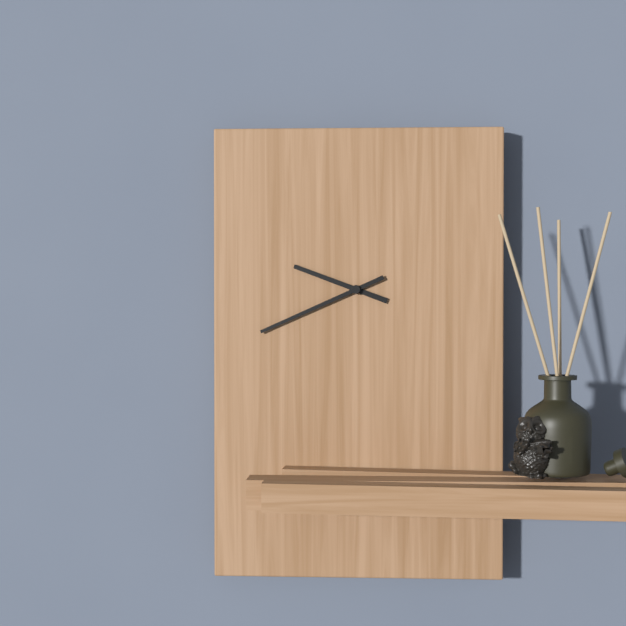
9:41
